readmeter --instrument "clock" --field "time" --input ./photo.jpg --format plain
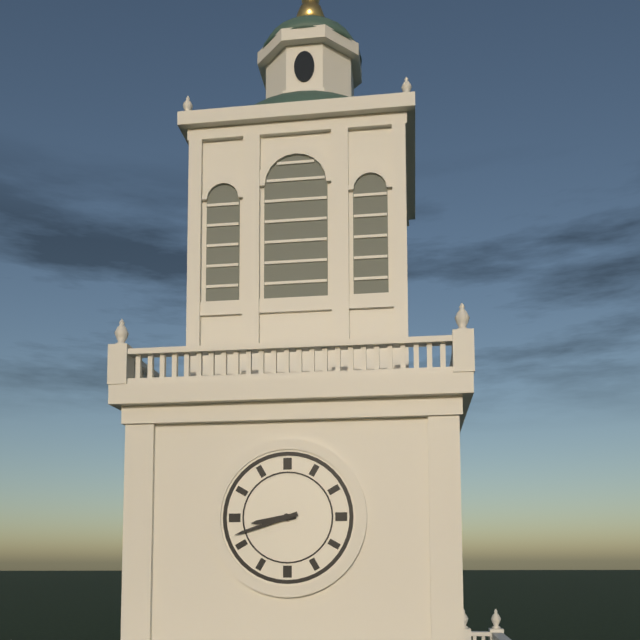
8:42
